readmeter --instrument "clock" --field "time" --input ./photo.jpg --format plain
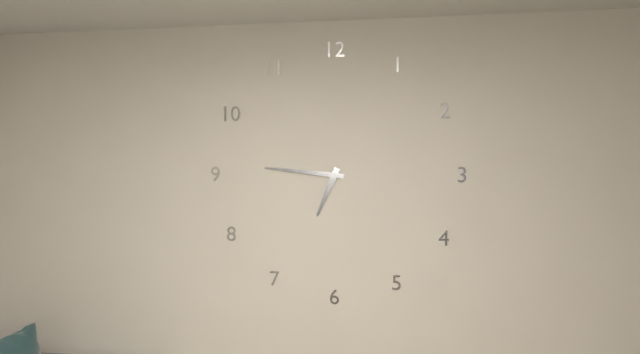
6:46
